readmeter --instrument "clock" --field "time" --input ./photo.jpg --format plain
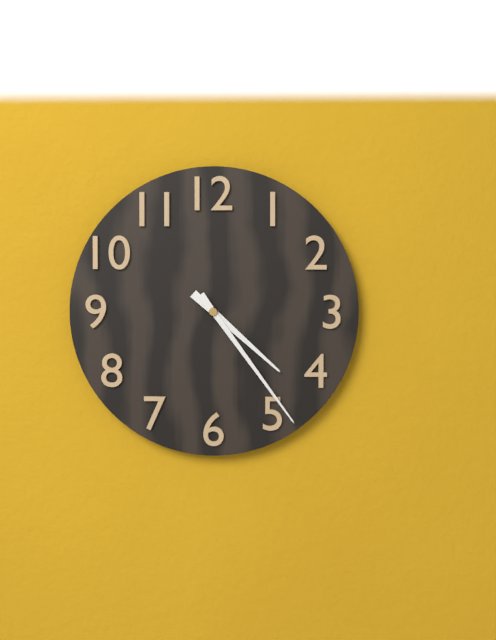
4:24
